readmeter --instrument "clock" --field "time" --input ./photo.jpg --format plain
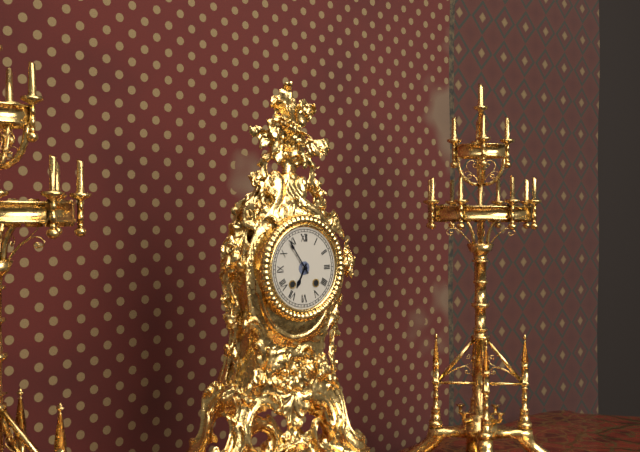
6:54
